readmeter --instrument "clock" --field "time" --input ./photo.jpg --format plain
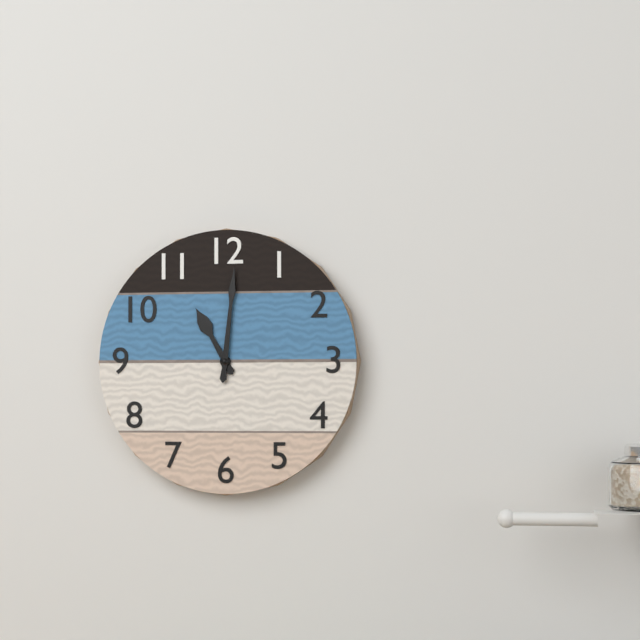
11:01
